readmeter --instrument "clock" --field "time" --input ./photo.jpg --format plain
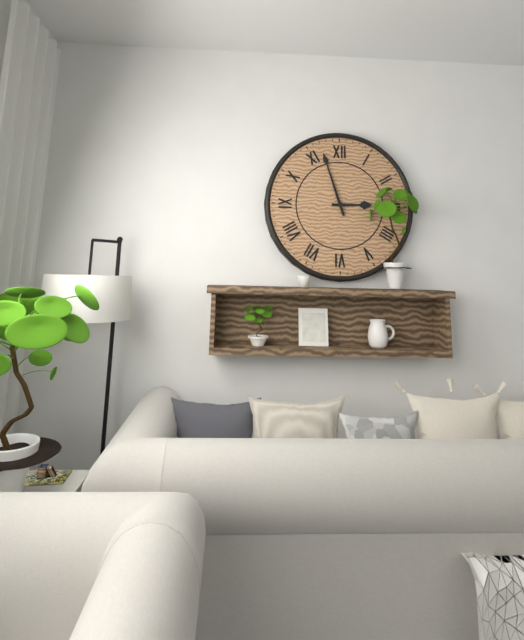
2:57
